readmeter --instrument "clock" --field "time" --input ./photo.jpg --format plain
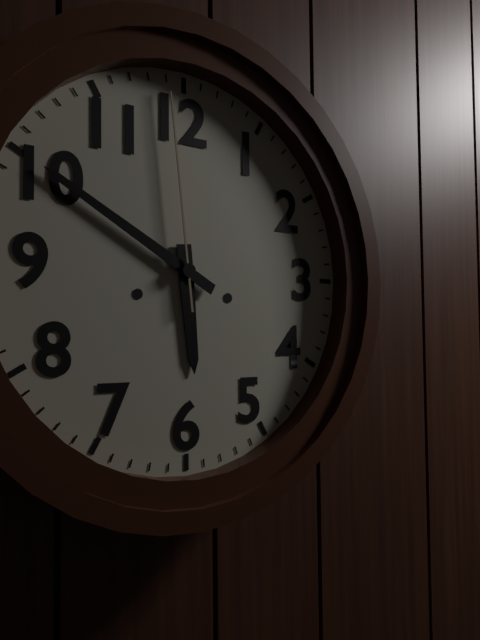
5:50:59
